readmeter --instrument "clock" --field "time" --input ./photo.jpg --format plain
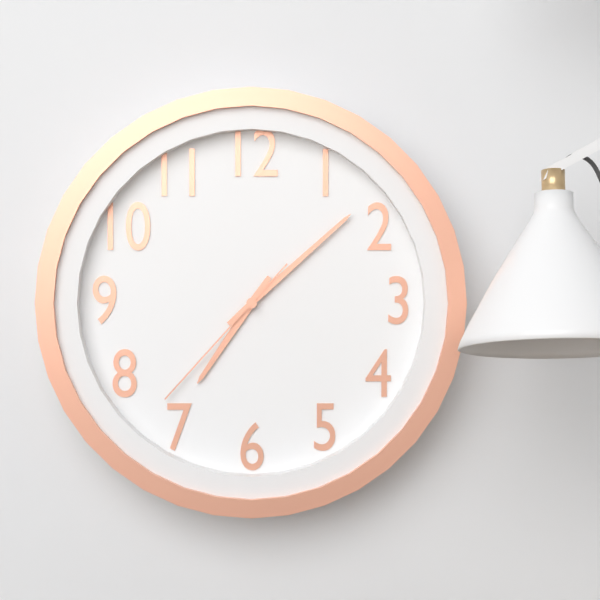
7:08:37
